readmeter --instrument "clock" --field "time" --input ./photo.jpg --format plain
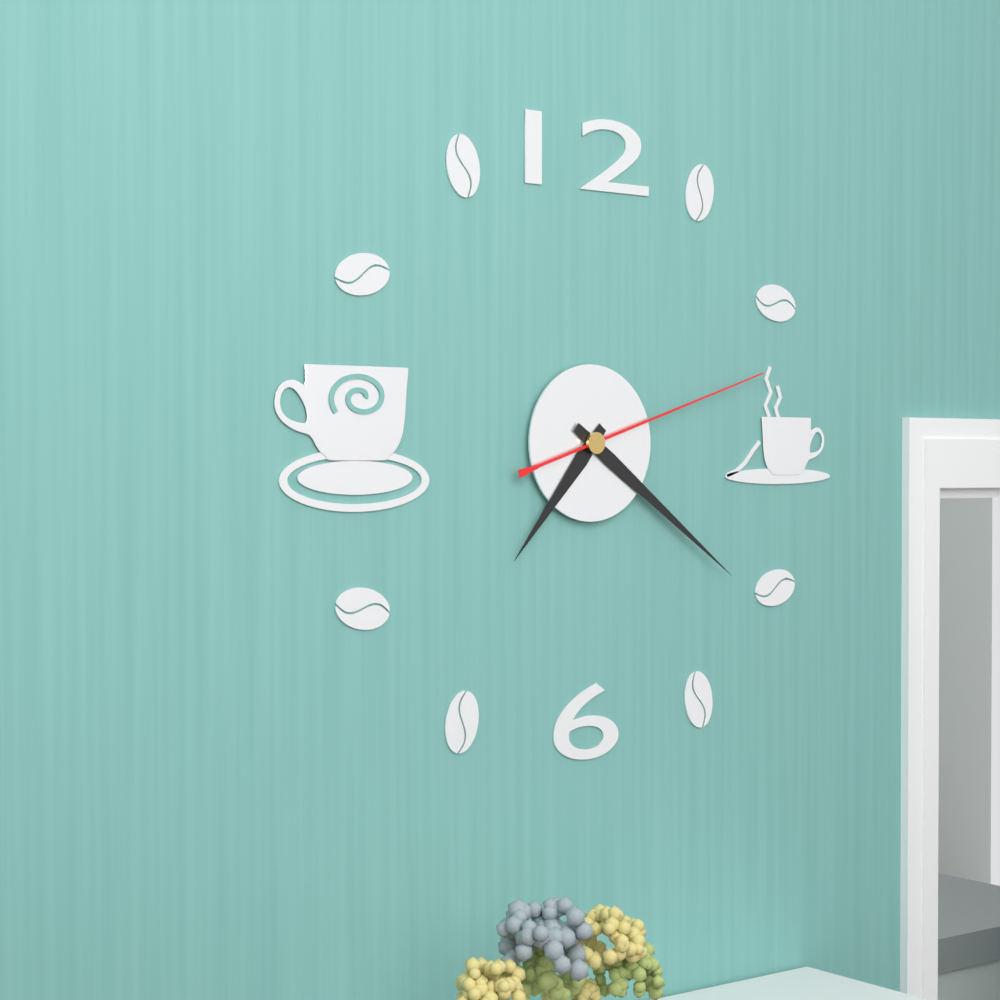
7:21:12
